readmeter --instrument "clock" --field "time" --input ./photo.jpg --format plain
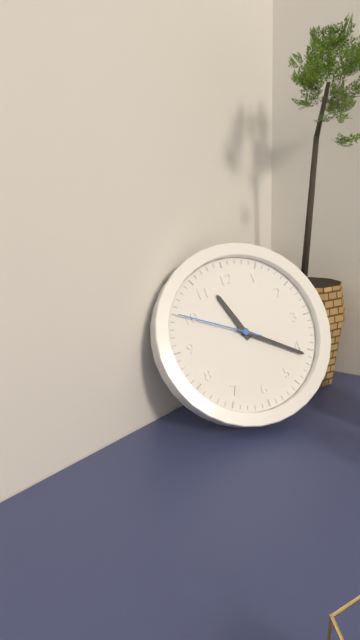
11:21:50
